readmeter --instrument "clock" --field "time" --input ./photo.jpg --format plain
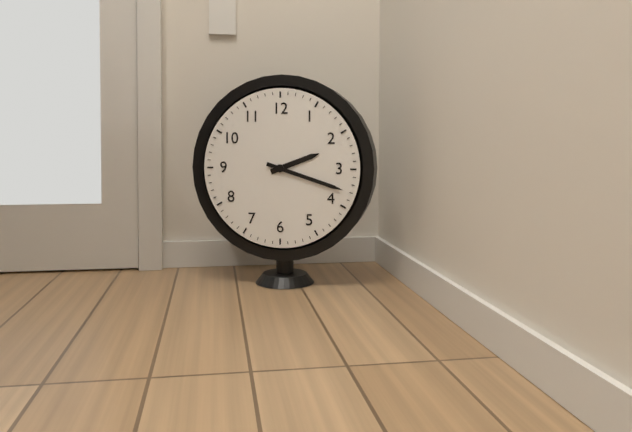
2:18
